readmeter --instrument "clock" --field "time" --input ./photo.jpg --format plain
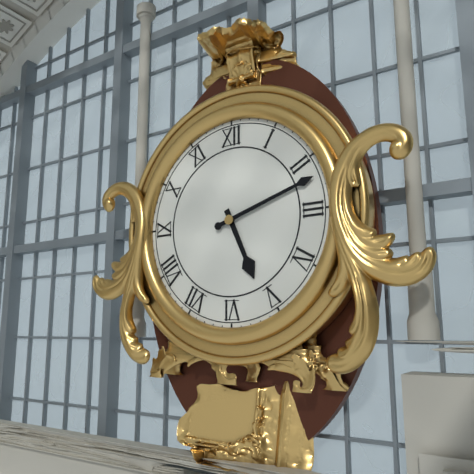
5:12
